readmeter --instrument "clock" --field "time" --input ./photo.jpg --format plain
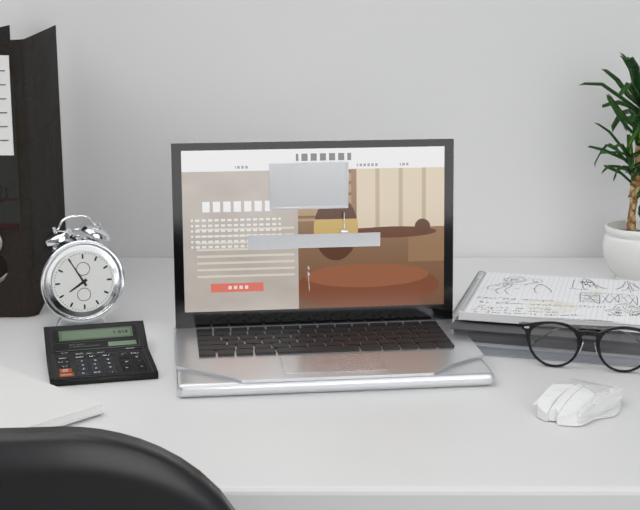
7:55
